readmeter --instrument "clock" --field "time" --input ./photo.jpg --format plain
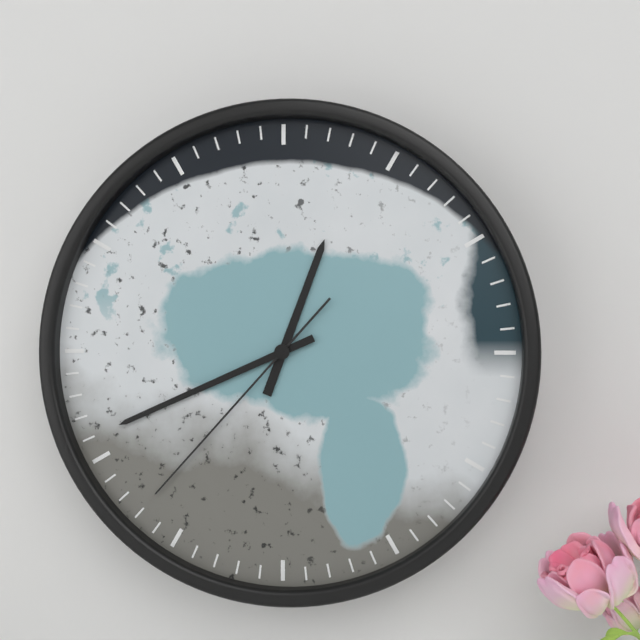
12:41:37
